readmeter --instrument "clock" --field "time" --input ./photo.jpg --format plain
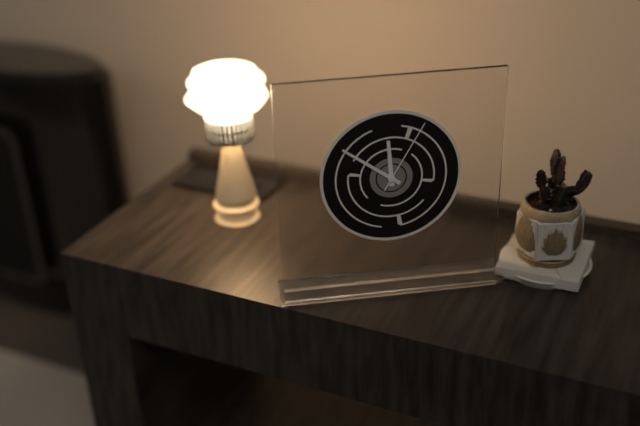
11:51:05
